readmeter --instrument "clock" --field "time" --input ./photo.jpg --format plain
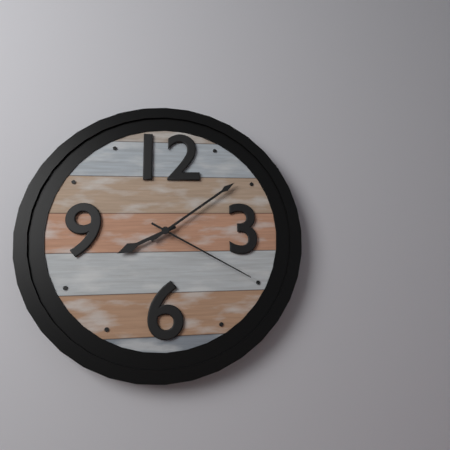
8:09:20
